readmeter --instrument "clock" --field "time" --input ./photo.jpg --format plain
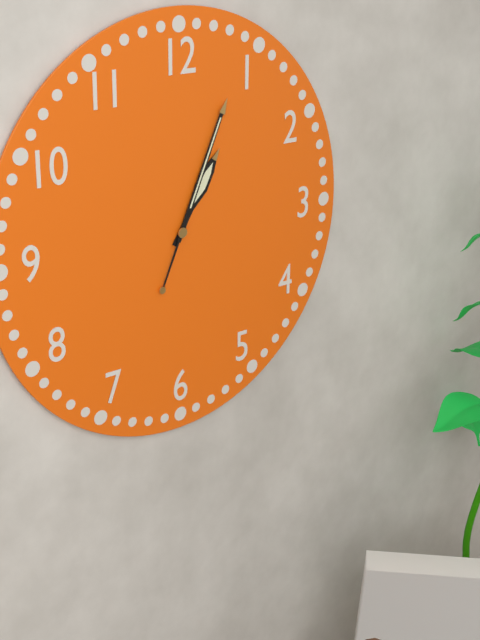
1:04
